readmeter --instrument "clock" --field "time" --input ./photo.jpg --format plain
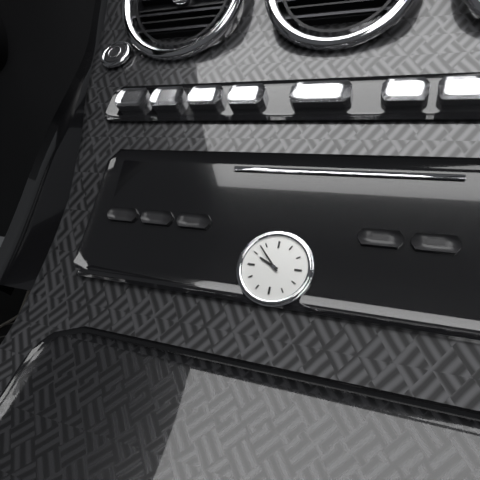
9:53
